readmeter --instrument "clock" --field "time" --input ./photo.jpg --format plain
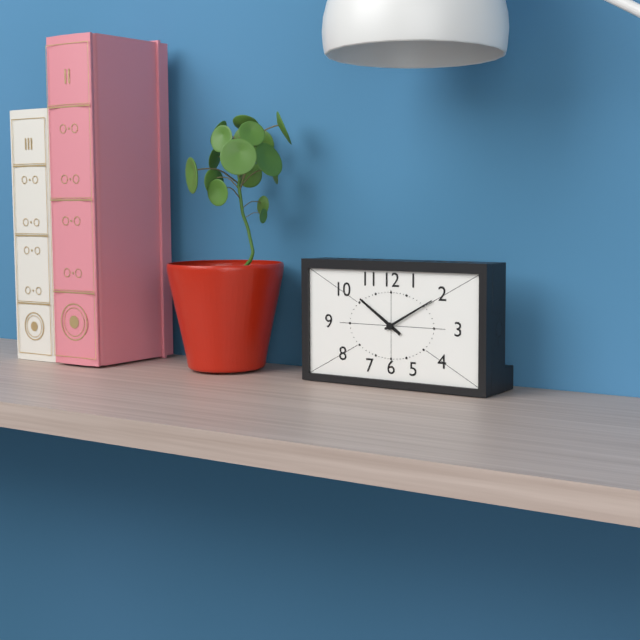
10:10
